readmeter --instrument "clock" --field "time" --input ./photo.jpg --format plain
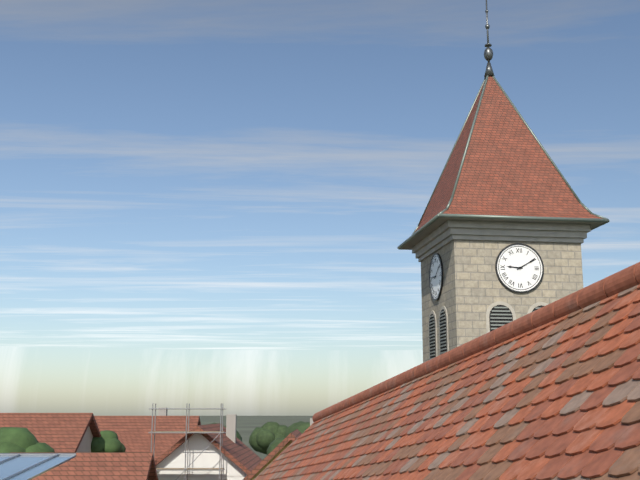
9:10
